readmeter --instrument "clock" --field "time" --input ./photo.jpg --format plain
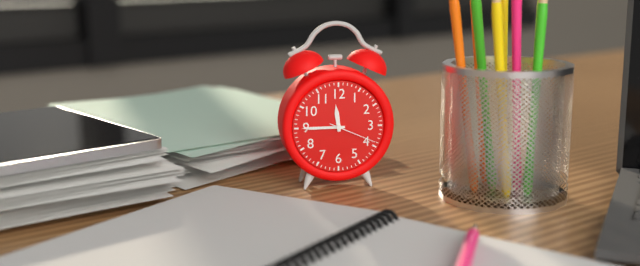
11:45
